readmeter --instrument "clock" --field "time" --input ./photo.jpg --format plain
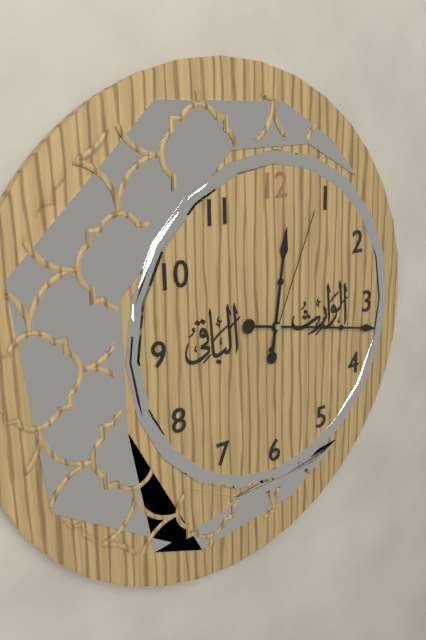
12:17:04
